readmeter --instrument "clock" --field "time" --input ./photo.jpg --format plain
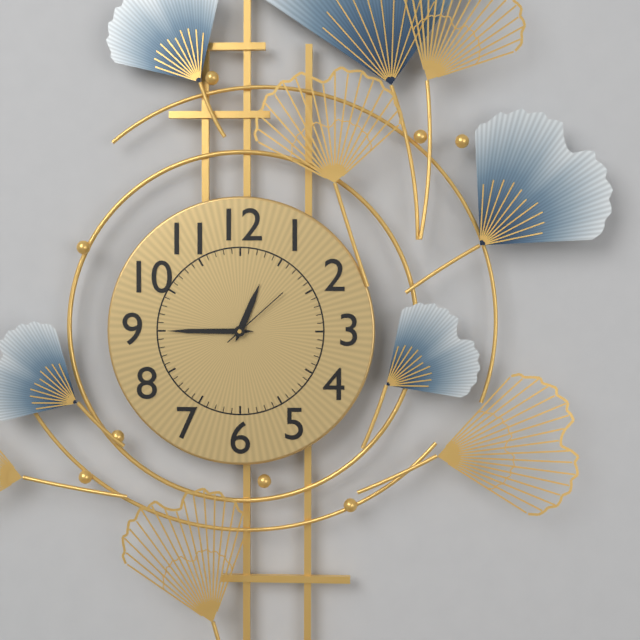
12:45:08
